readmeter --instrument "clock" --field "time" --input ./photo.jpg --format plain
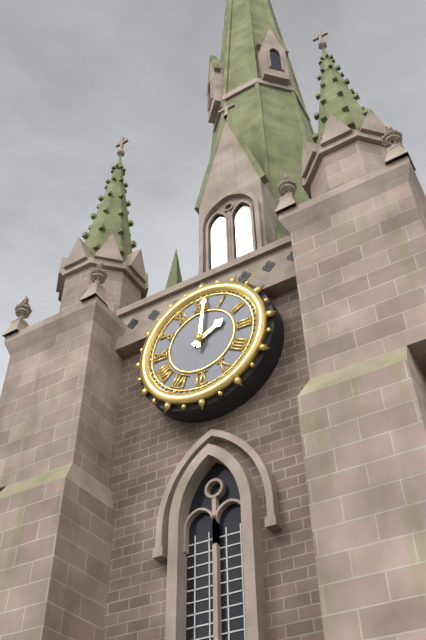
2:01
